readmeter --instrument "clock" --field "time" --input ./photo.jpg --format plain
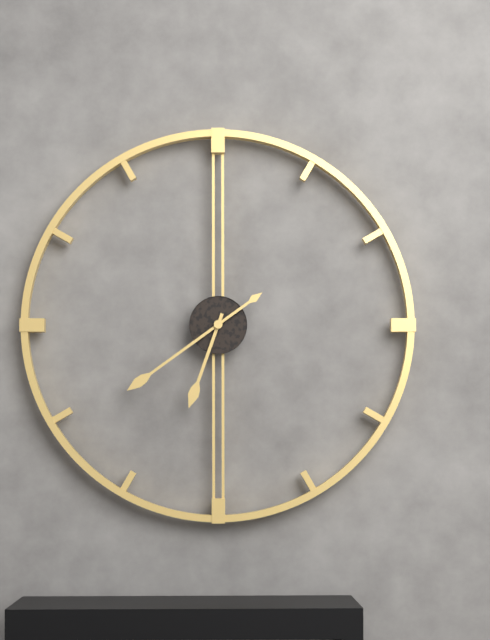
6:39
